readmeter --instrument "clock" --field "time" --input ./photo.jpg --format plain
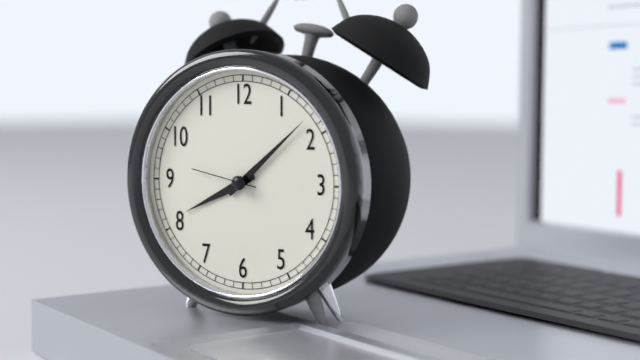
8:08:47
